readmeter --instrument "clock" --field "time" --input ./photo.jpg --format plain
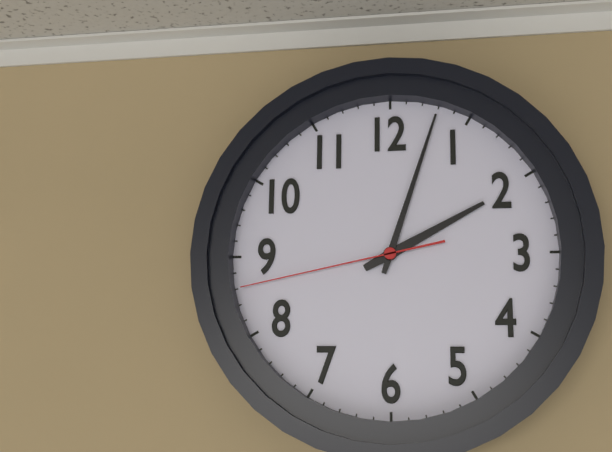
2:03:43
